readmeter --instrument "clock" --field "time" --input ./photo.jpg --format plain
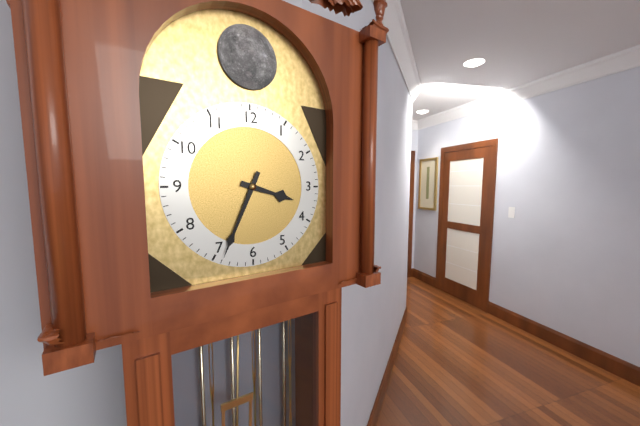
3:34
